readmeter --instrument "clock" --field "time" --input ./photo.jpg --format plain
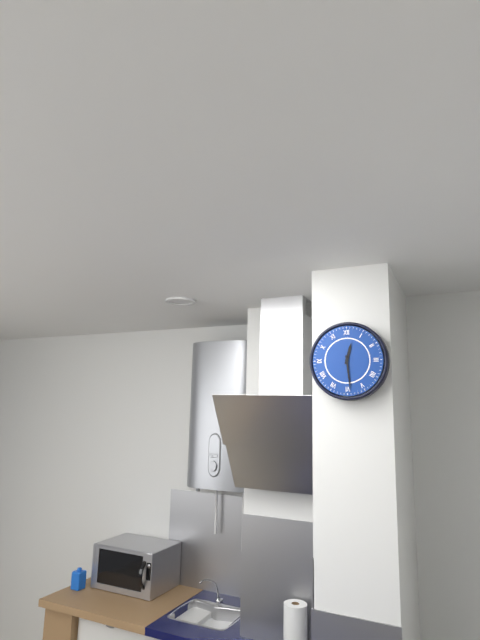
12:29
